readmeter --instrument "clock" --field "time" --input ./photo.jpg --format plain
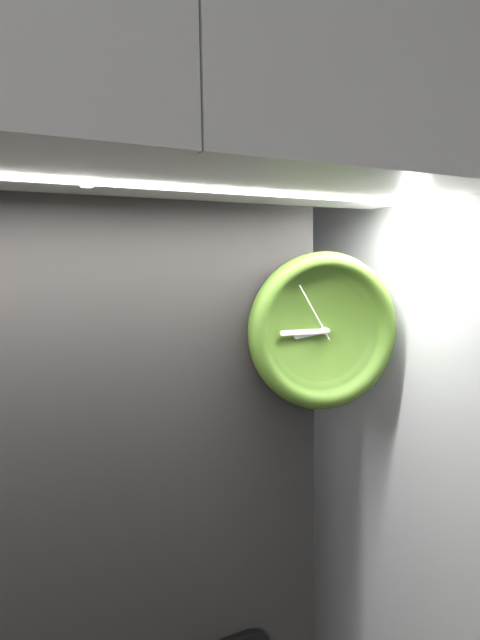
8:45:55
